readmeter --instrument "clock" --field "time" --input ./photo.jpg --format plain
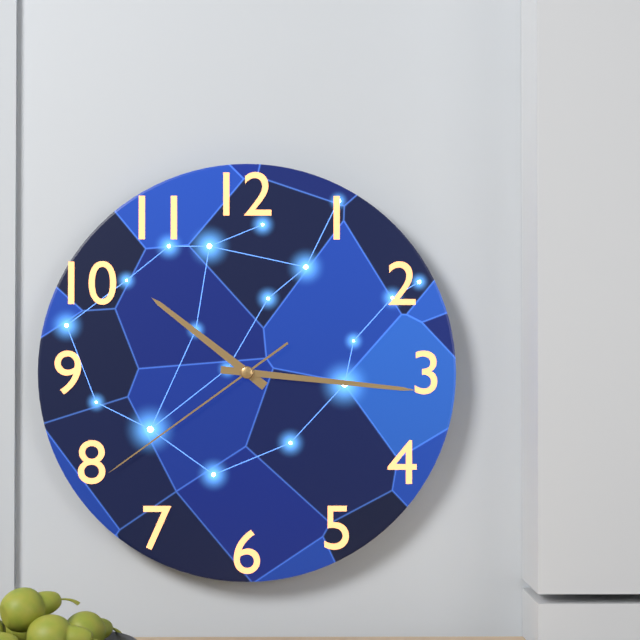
10:16:39
